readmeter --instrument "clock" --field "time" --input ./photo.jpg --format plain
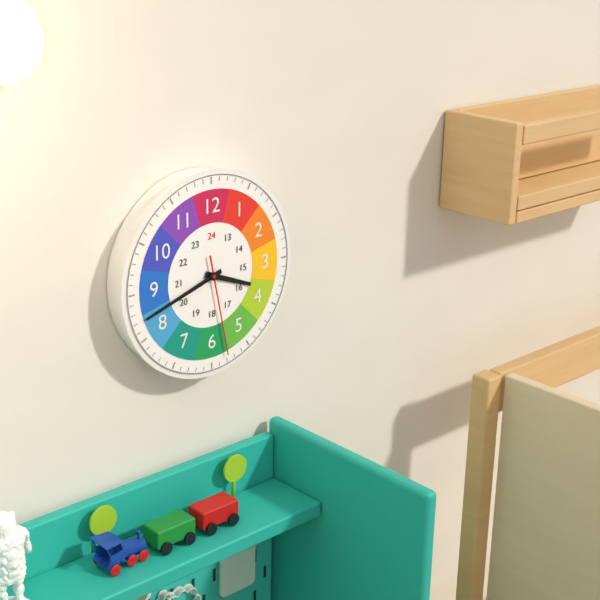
3:42:28
